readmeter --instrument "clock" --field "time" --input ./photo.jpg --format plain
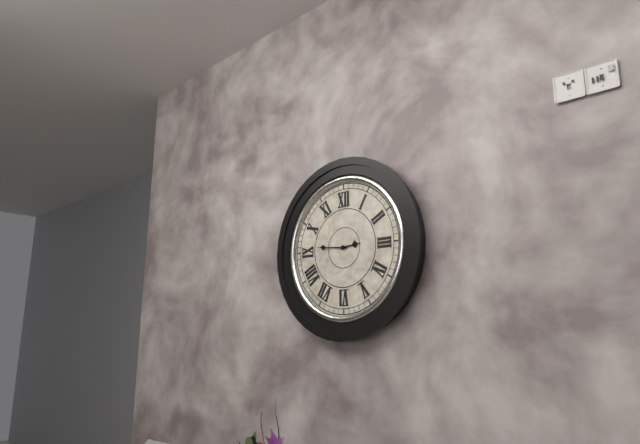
2:46
